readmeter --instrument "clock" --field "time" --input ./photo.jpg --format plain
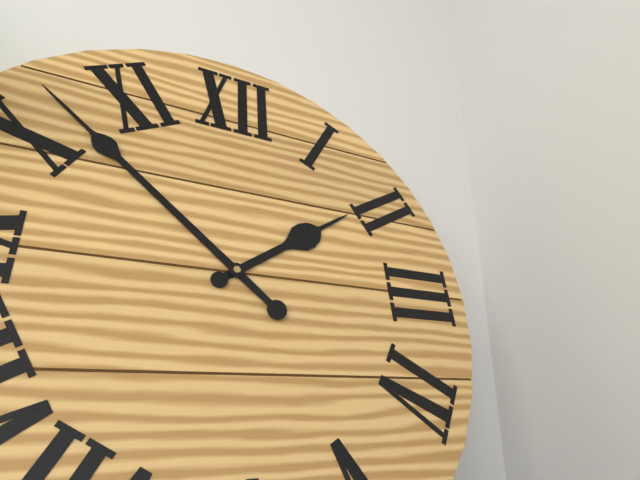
1:52
